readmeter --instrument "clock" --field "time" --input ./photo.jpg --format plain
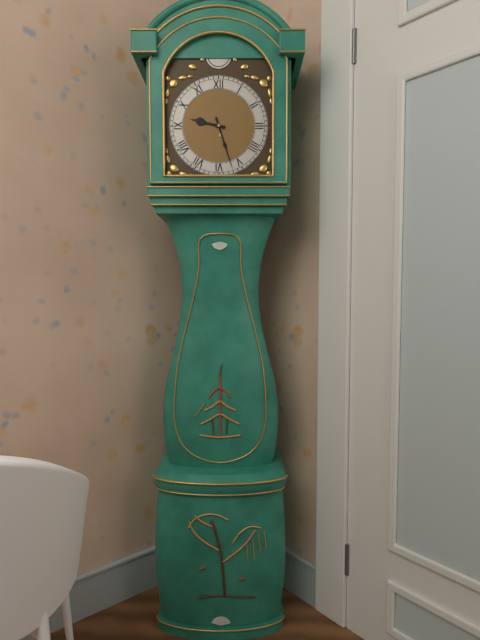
9:27
